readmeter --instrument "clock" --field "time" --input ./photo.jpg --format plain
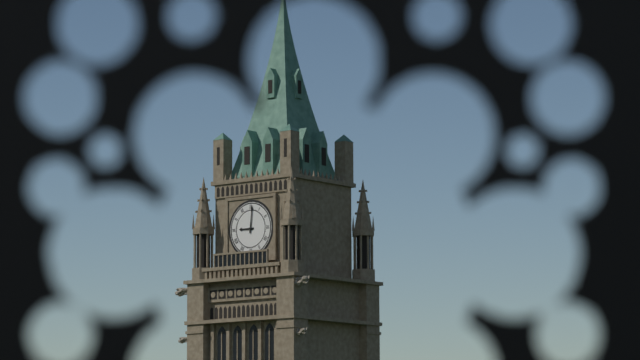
9:01
